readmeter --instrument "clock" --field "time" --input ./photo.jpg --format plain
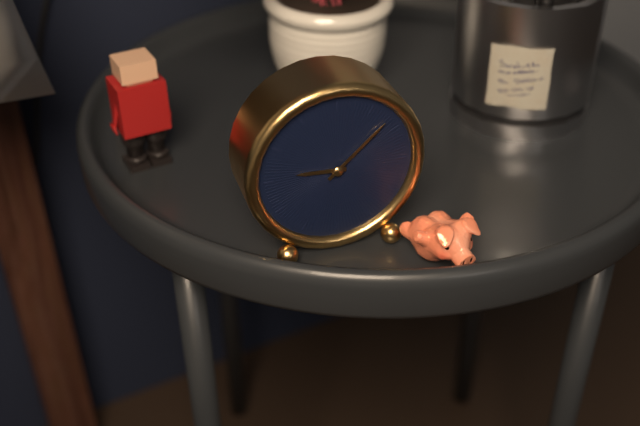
9:08
